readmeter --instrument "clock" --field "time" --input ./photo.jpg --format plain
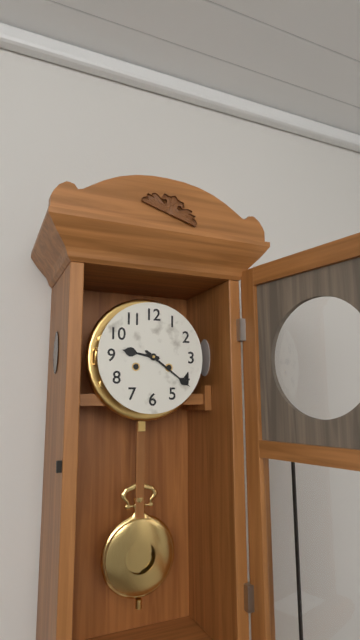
9:21
